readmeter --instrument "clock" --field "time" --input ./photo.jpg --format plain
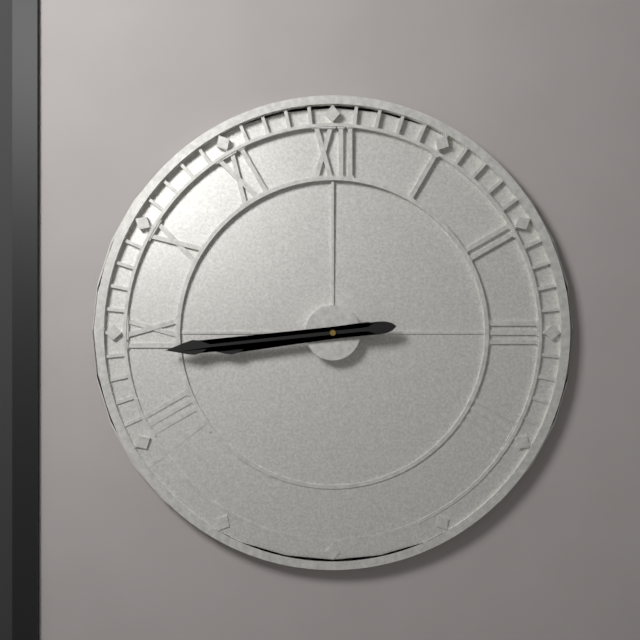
8:44
